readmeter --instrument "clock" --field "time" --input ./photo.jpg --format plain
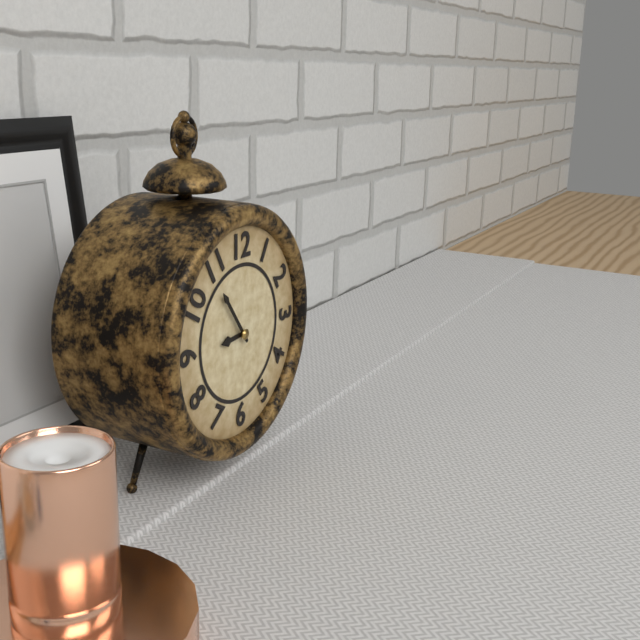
8:54
